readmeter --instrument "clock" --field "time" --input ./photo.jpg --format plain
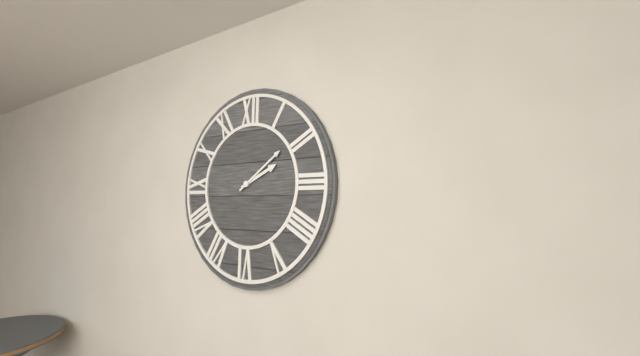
2:09
